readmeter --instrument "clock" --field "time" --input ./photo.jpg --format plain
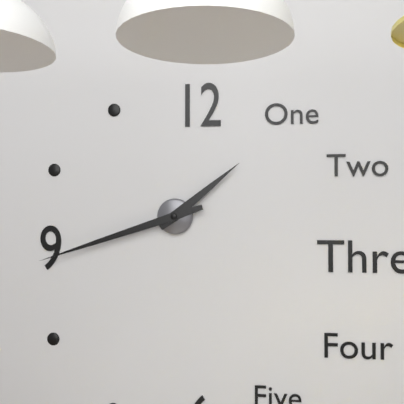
1:42
